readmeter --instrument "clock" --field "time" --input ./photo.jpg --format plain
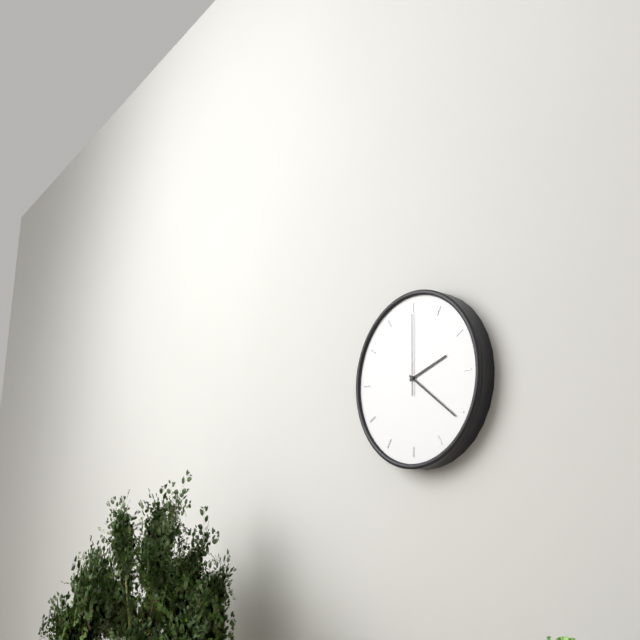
2:21:00
